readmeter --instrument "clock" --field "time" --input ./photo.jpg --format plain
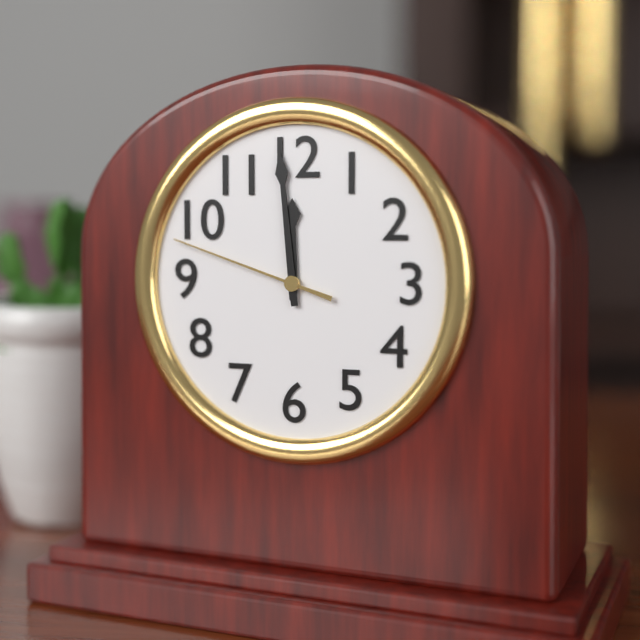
11:59:48
